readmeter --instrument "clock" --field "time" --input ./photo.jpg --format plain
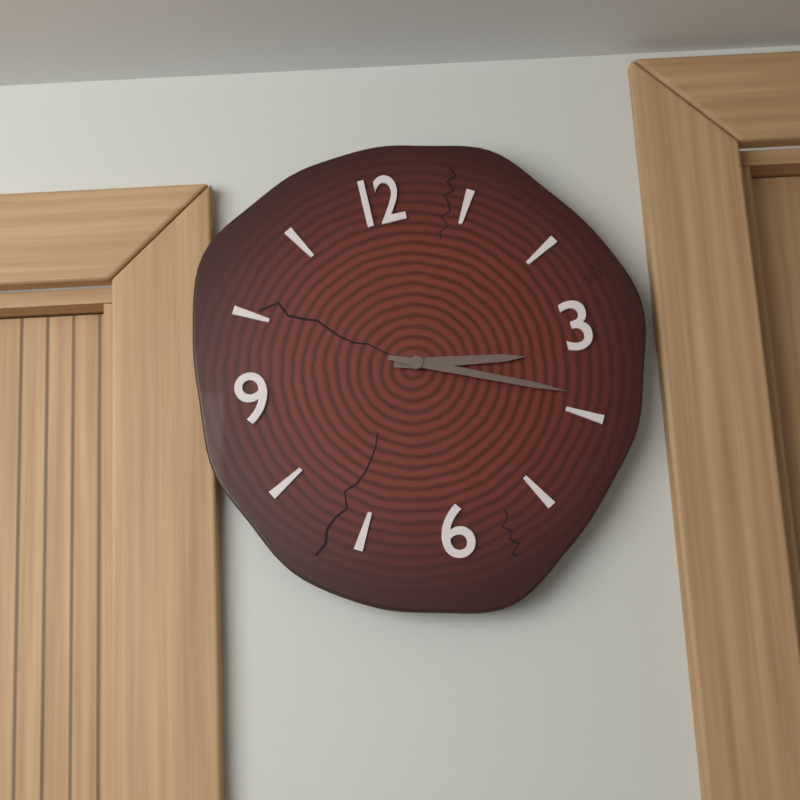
3:19
